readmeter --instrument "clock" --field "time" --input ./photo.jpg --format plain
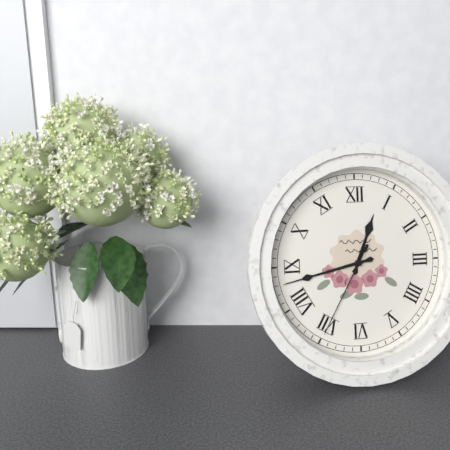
12:43:35
